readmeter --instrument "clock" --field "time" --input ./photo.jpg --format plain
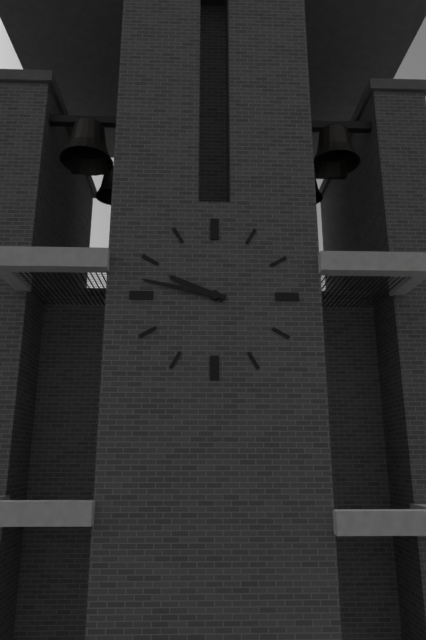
9:47
